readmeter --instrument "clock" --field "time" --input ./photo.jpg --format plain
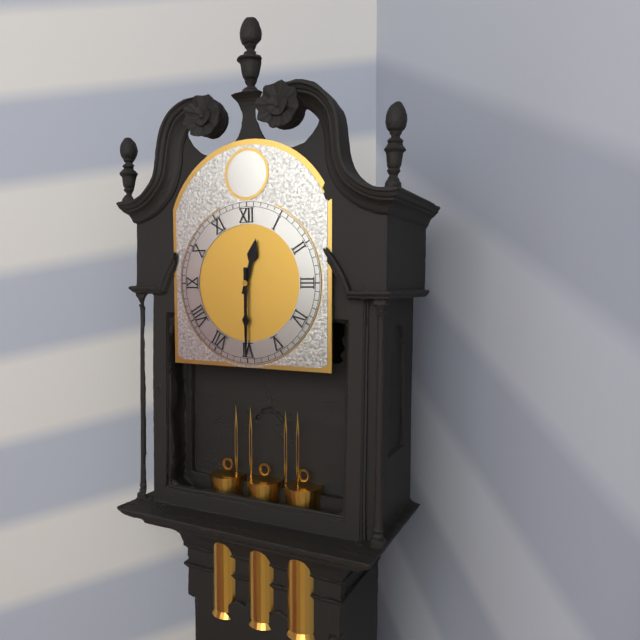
12:30
